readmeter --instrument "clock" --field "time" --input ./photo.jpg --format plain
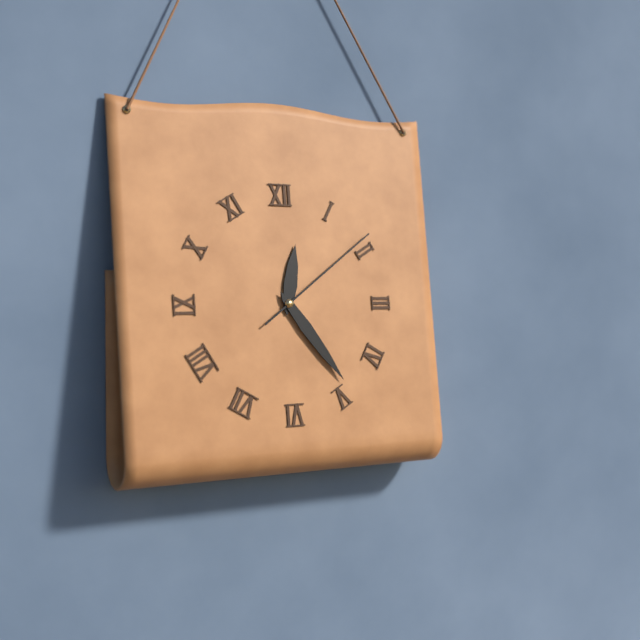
12:24:09
